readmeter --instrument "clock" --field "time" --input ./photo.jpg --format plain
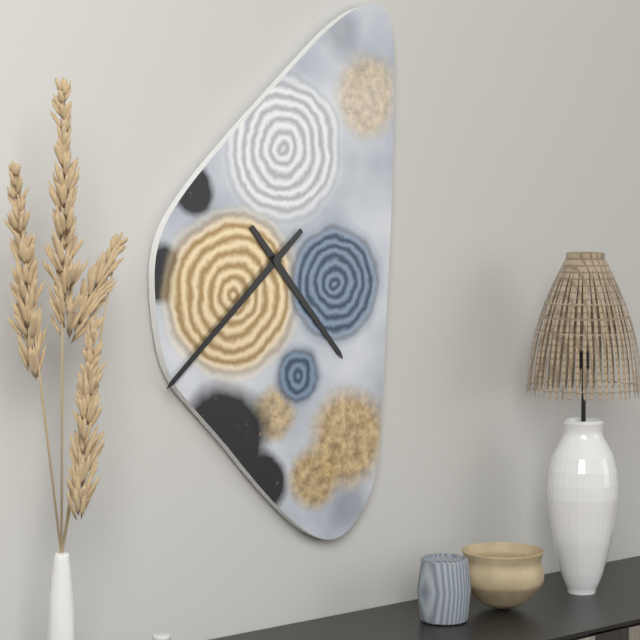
4:38
